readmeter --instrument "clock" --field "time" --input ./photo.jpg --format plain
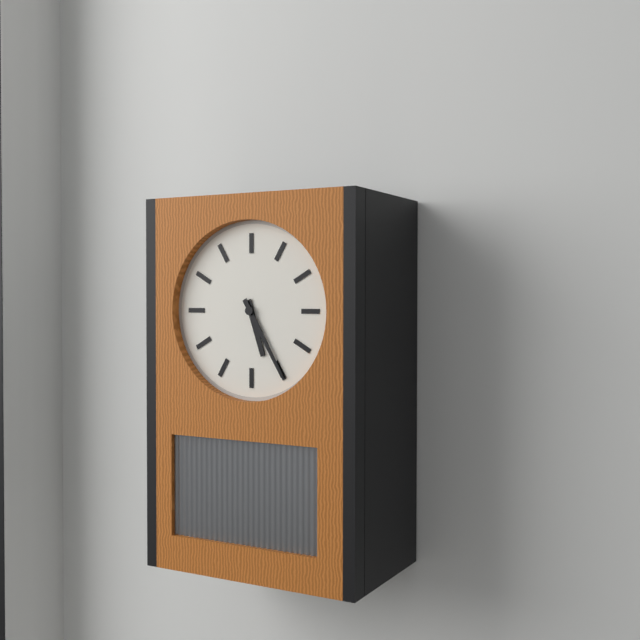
5:25
